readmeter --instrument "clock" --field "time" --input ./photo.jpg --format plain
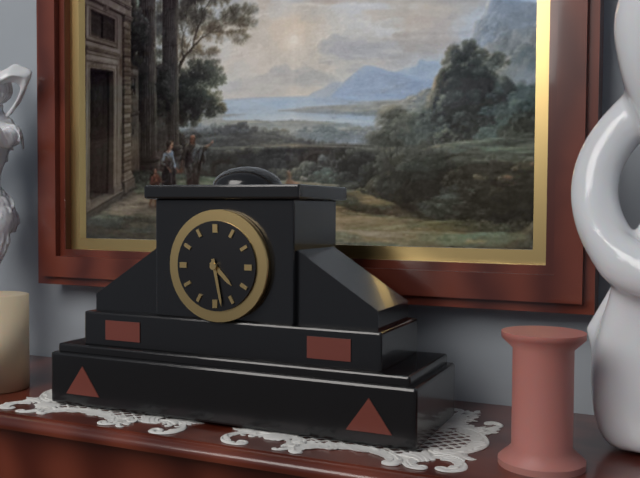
4:28
